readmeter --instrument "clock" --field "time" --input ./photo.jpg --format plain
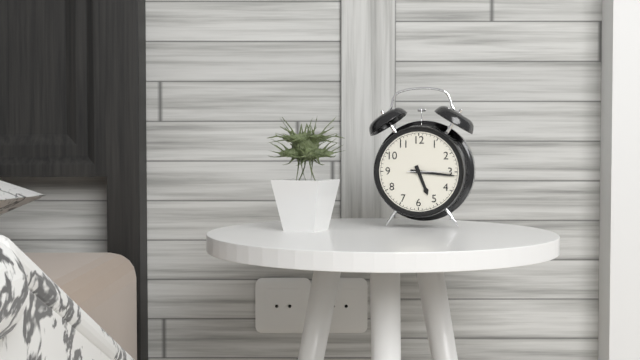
5:16
